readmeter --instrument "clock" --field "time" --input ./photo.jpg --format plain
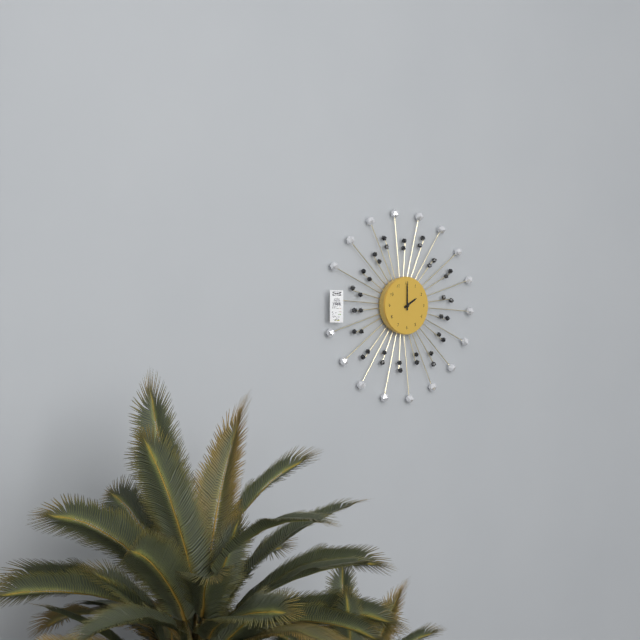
2:00
